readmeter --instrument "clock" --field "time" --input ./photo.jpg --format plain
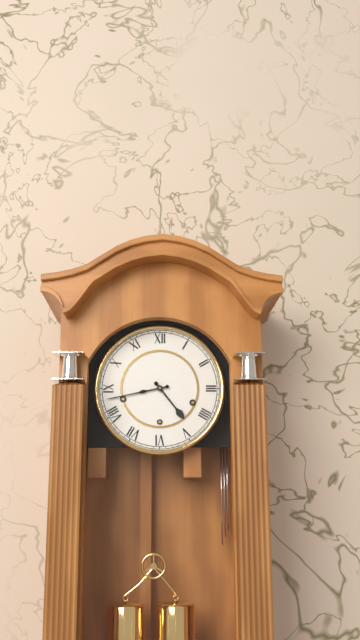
4:43
